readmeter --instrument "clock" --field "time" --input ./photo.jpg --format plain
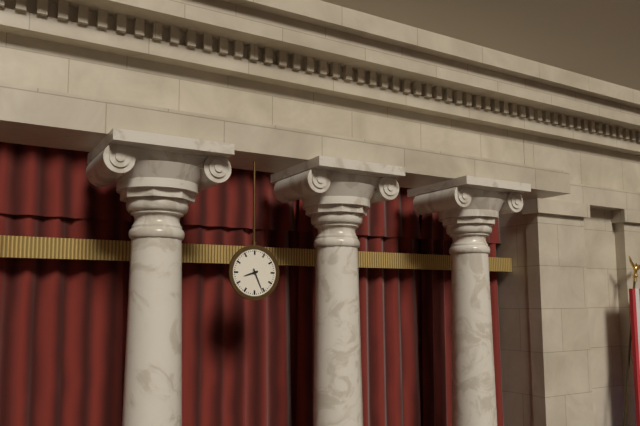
8:26
